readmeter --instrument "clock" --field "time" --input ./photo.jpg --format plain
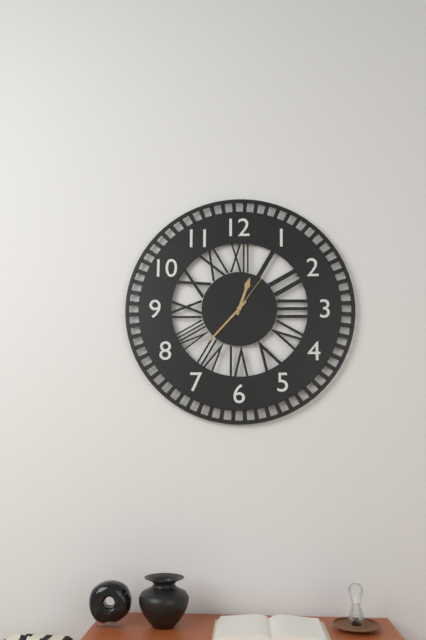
12:37:06
